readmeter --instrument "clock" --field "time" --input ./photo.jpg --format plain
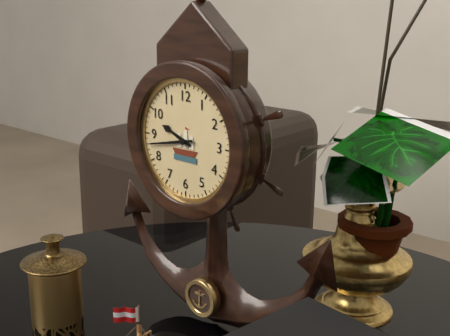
9:43
